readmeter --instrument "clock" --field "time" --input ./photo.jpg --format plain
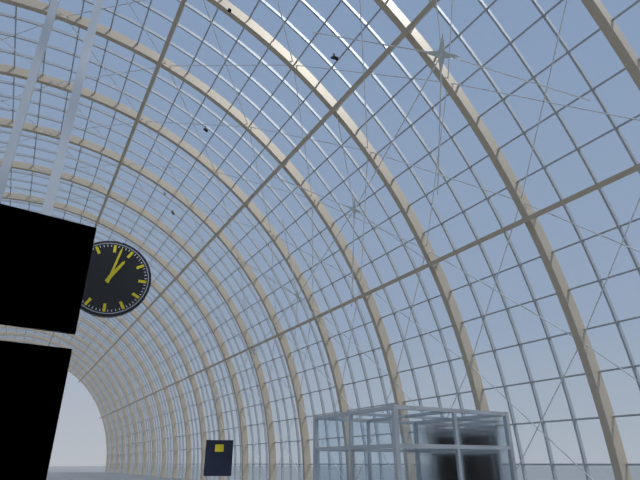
1:02
